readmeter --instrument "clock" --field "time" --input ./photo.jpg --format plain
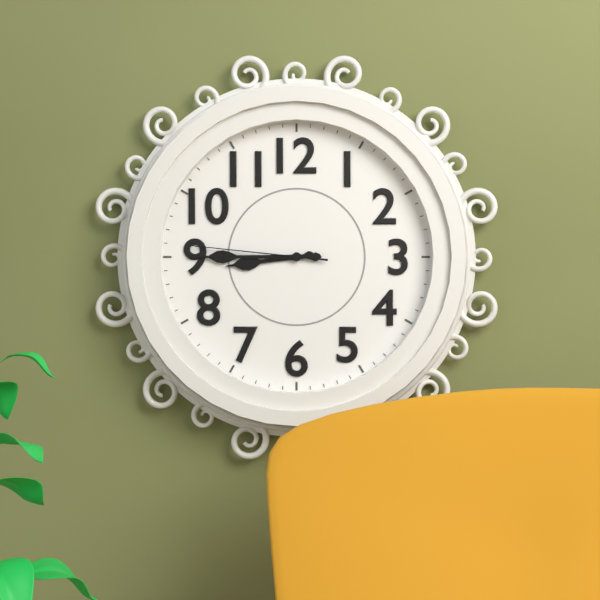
8:45:46
